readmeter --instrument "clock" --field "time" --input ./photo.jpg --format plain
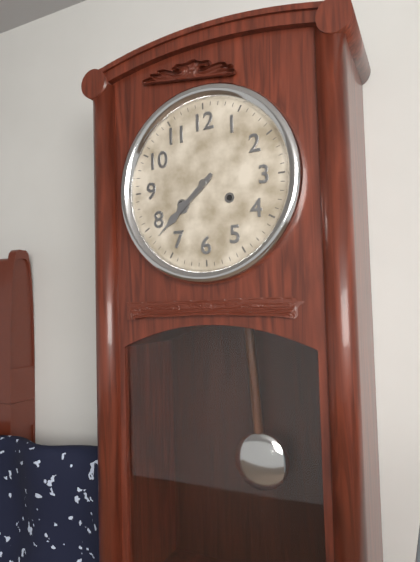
7:38
